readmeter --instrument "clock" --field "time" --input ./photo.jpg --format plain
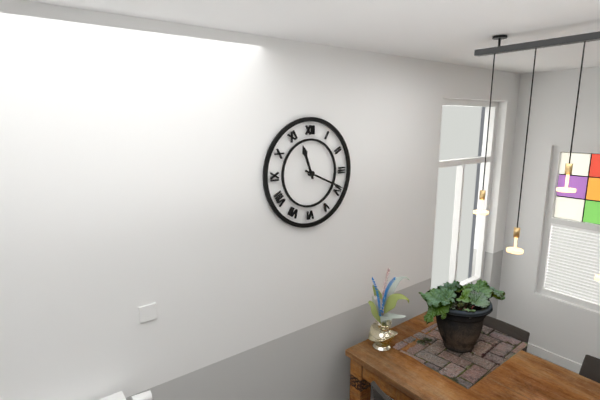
11:19
